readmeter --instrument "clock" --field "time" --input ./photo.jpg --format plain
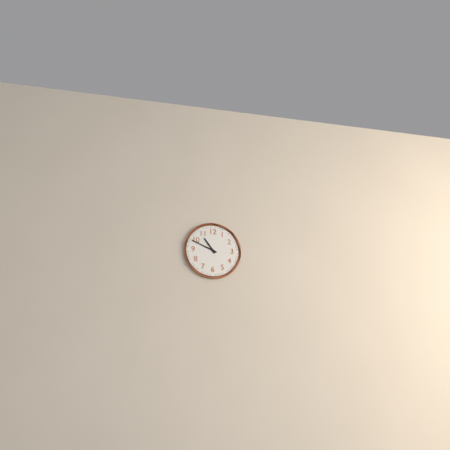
10:49
